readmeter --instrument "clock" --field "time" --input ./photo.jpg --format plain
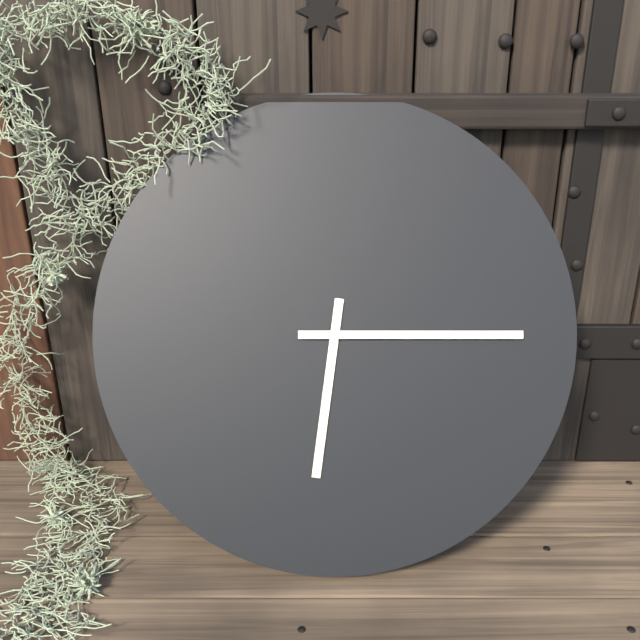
6:15
